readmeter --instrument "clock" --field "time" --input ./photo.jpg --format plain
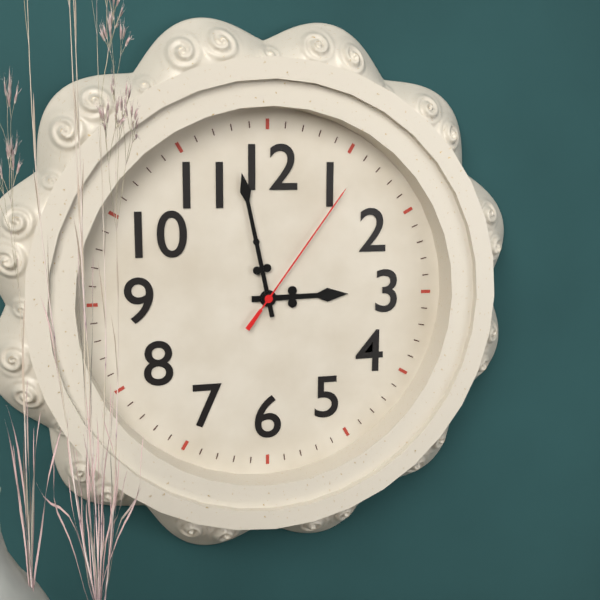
2:58:06
